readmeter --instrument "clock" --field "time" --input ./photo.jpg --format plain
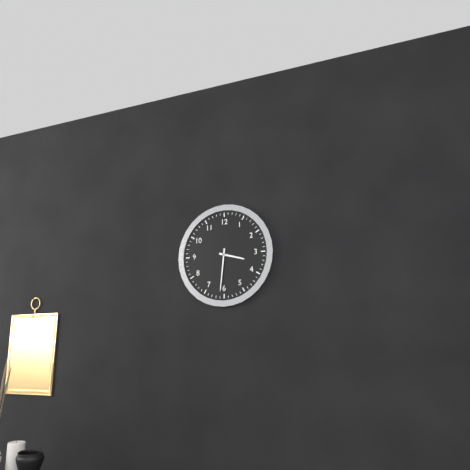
3:31
